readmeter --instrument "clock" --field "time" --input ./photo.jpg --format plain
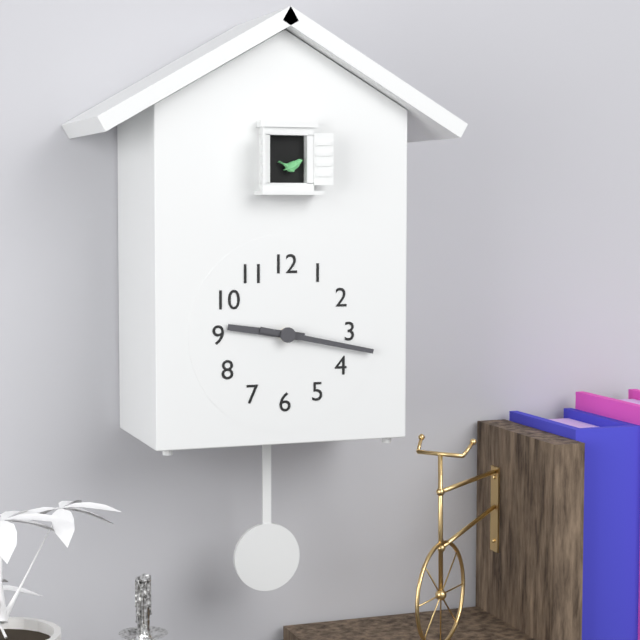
9:17
